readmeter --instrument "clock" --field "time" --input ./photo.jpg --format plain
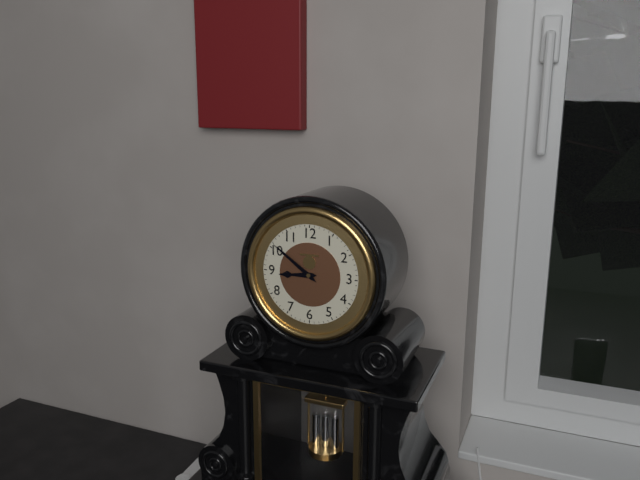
8:51
